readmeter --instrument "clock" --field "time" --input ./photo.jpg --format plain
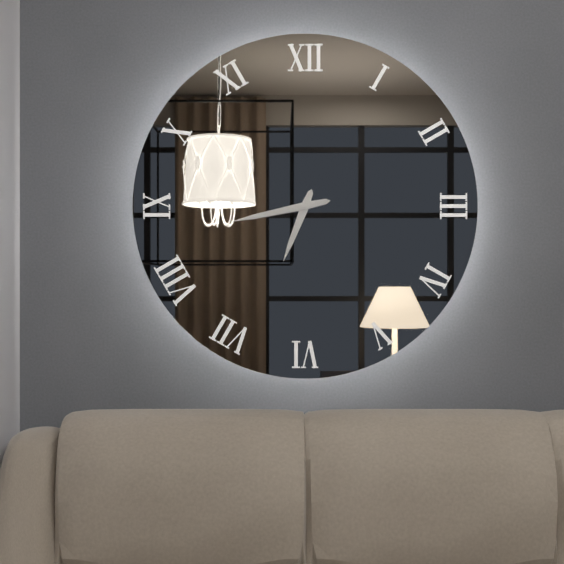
6:43
